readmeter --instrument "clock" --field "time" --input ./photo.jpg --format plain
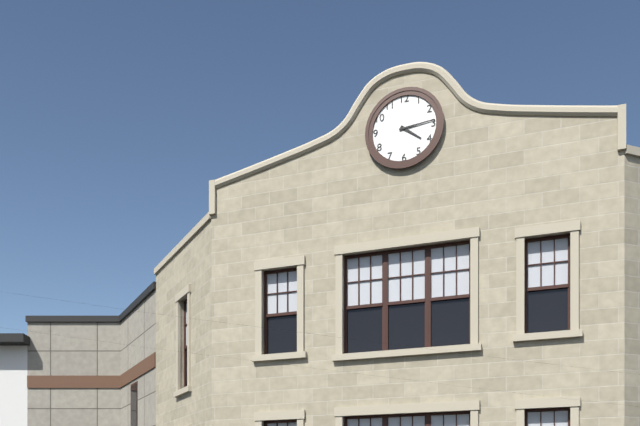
4:14
